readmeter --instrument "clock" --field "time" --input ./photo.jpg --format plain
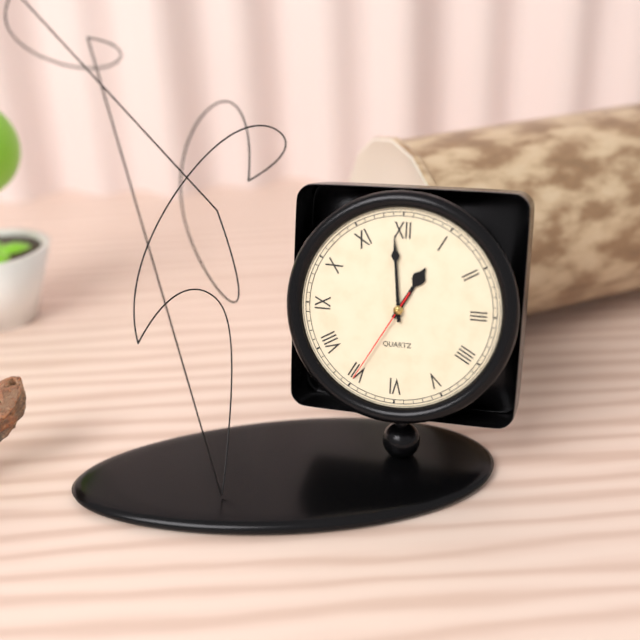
12:59:35
